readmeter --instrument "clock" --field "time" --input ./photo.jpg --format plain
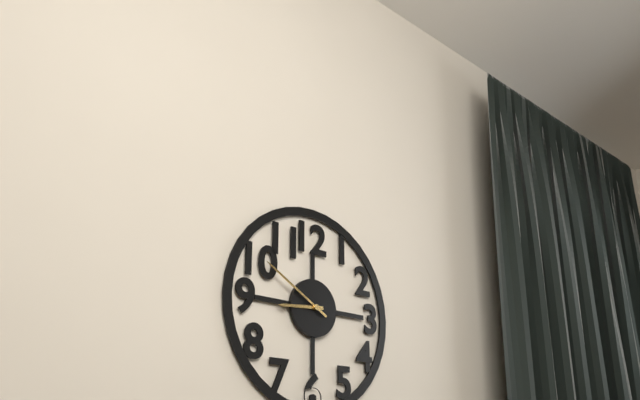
8:50
